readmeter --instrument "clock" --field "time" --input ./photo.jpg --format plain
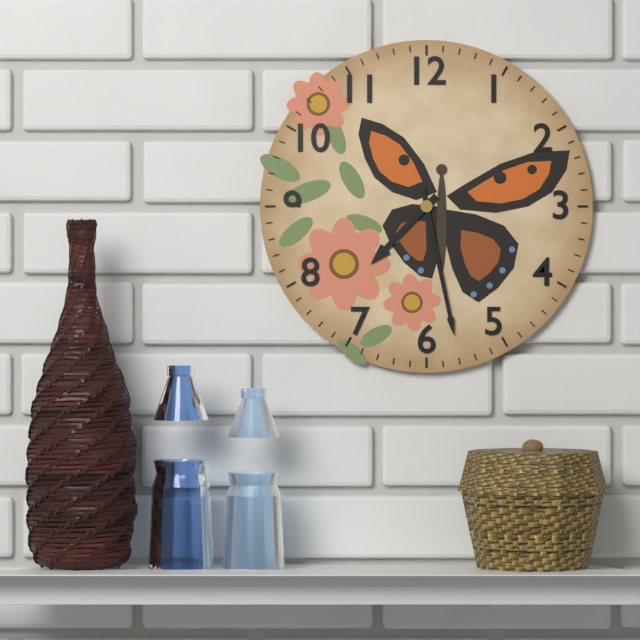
7:28
